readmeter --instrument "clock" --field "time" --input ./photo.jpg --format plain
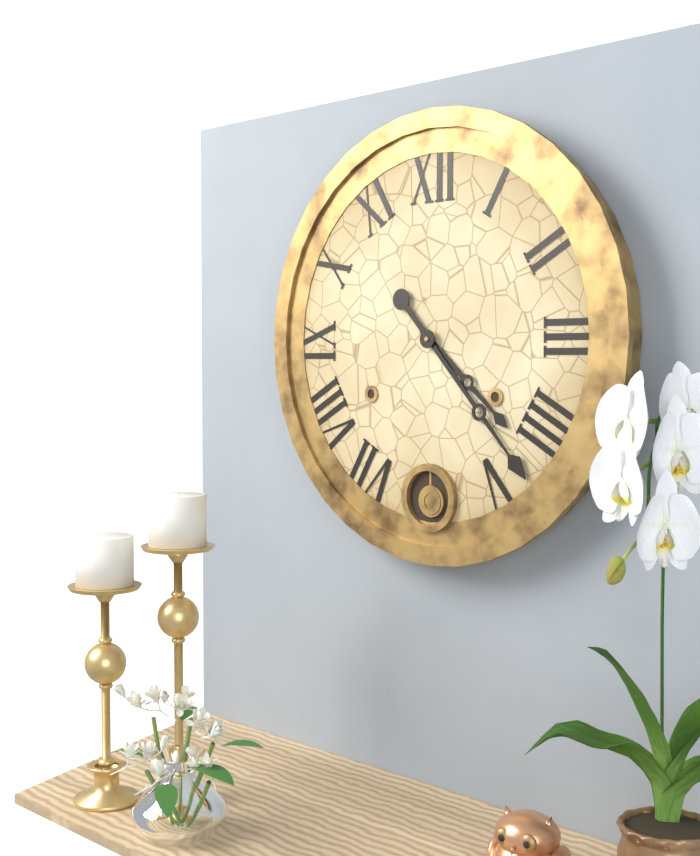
4:23
